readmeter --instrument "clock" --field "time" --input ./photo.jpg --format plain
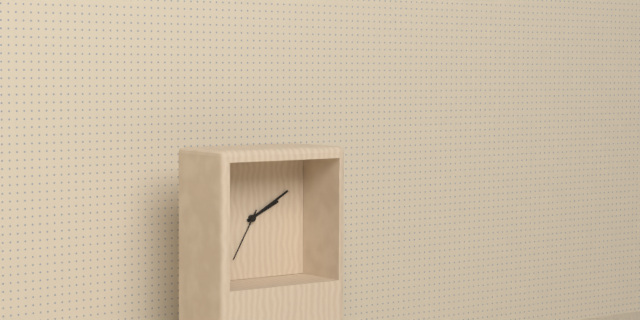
2:10:35
